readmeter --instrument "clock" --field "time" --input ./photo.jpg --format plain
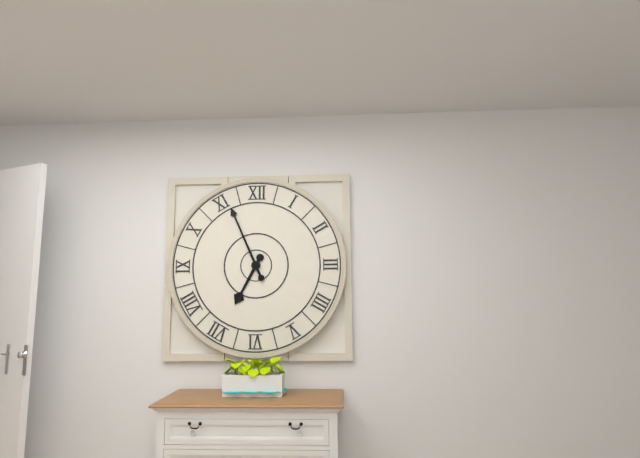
6:56
